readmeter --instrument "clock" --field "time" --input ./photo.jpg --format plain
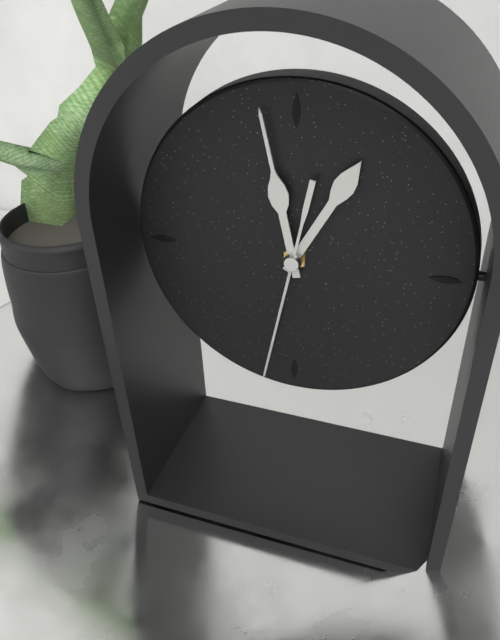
12:58:32
